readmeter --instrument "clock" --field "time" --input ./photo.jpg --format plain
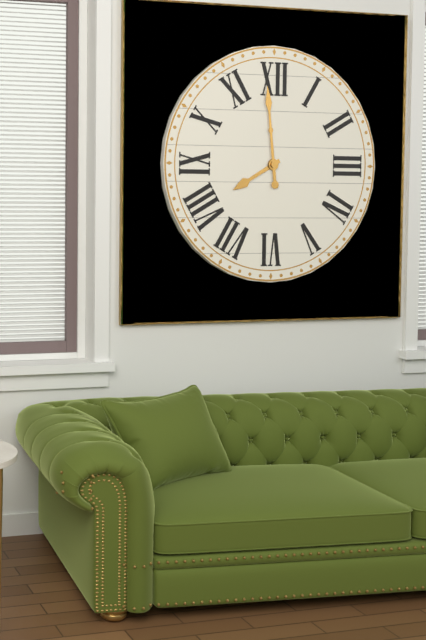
7:59
